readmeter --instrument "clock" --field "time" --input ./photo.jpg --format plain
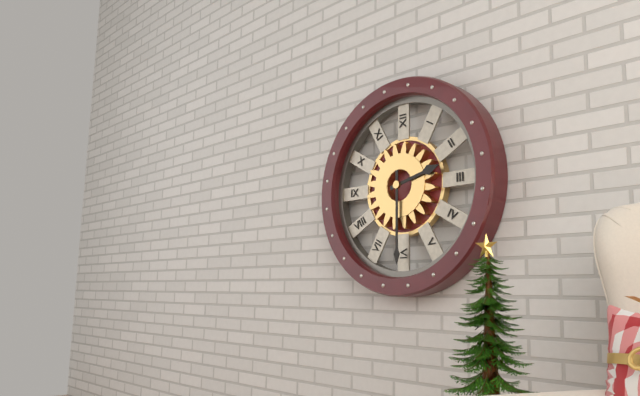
2:30
